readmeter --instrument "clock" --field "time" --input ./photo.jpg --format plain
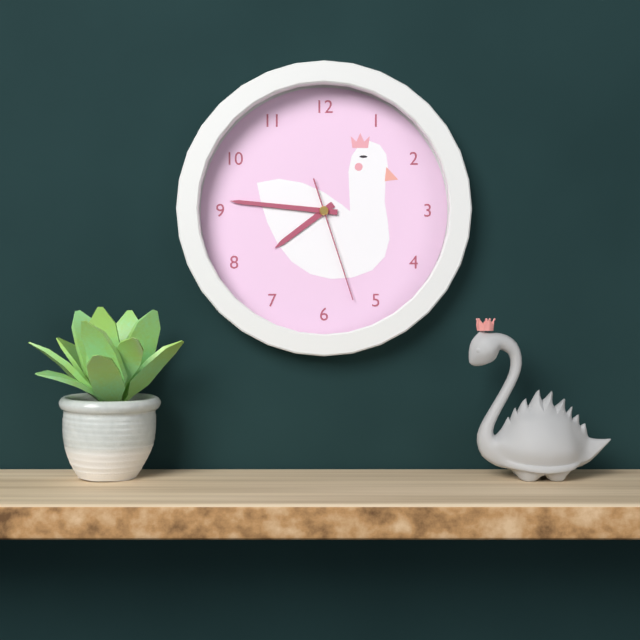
7:46:27
